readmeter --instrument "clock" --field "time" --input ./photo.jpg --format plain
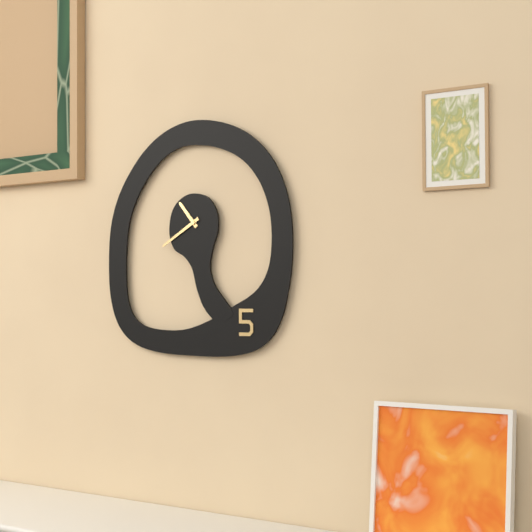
10:40
